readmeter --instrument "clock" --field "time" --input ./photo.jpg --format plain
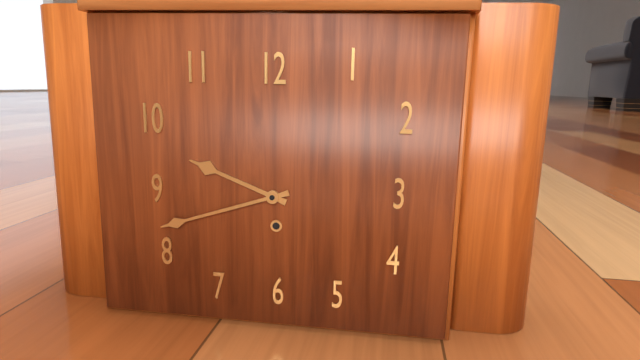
9:42
